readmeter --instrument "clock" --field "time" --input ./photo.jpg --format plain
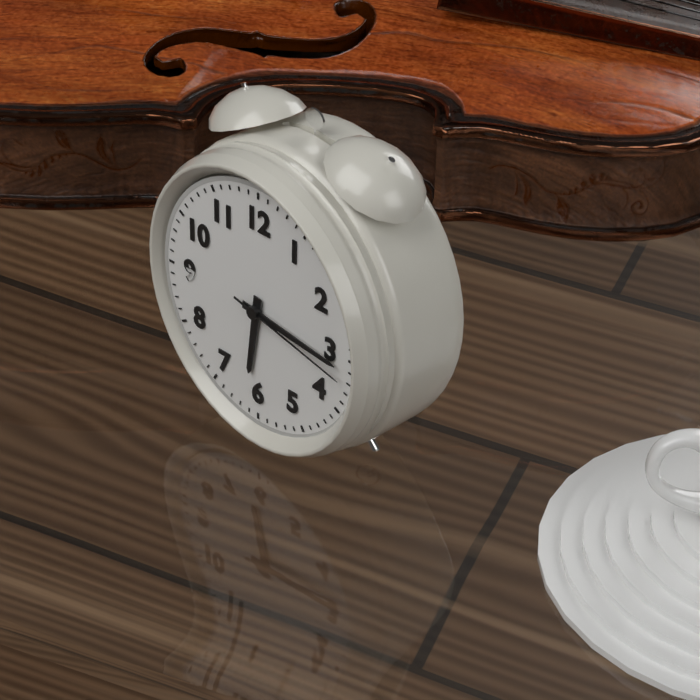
6:16:17
